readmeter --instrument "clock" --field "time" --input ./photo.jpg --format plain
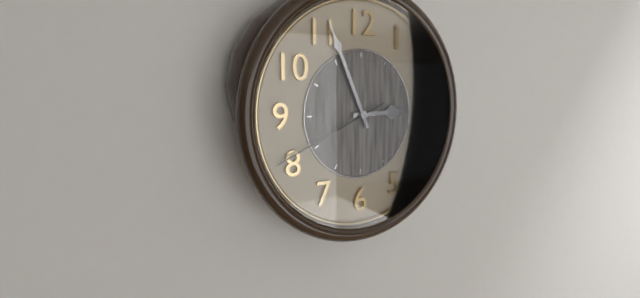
2:56:41
